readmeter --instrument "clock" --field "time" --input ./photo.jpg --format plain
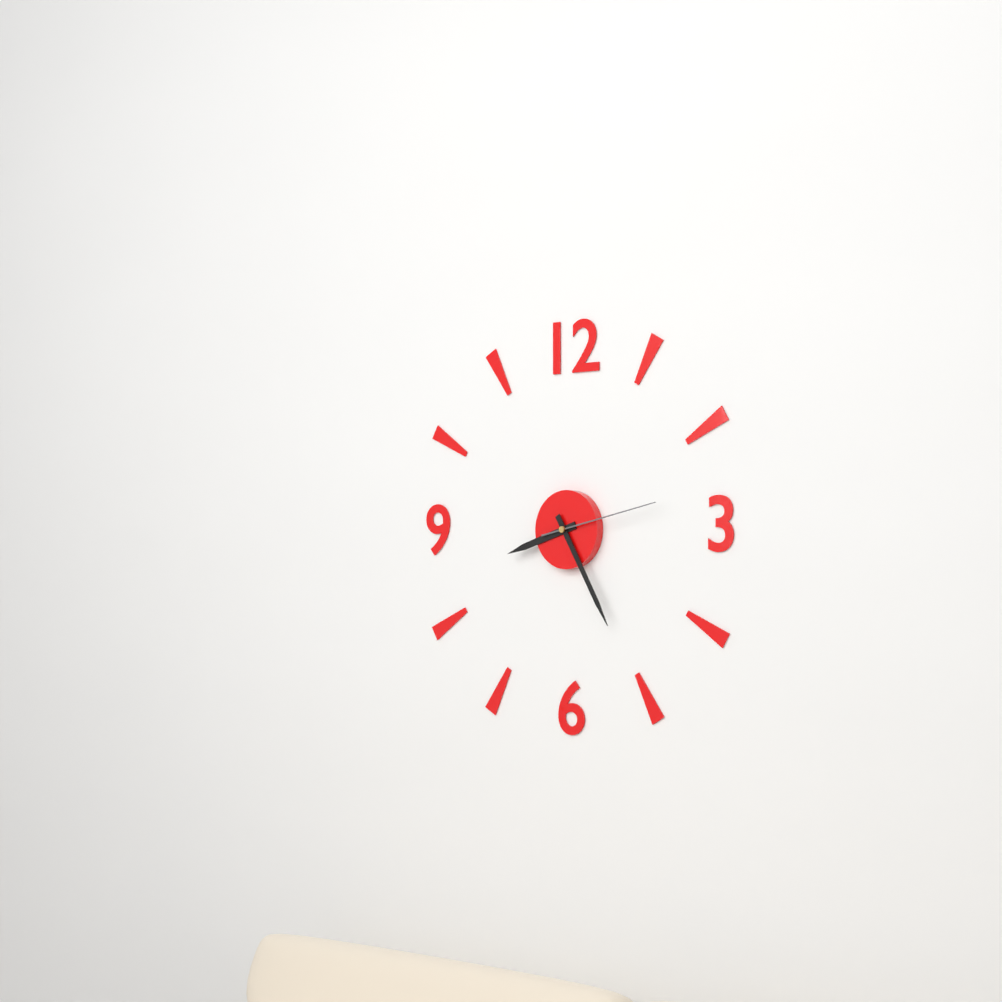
8:25:13
